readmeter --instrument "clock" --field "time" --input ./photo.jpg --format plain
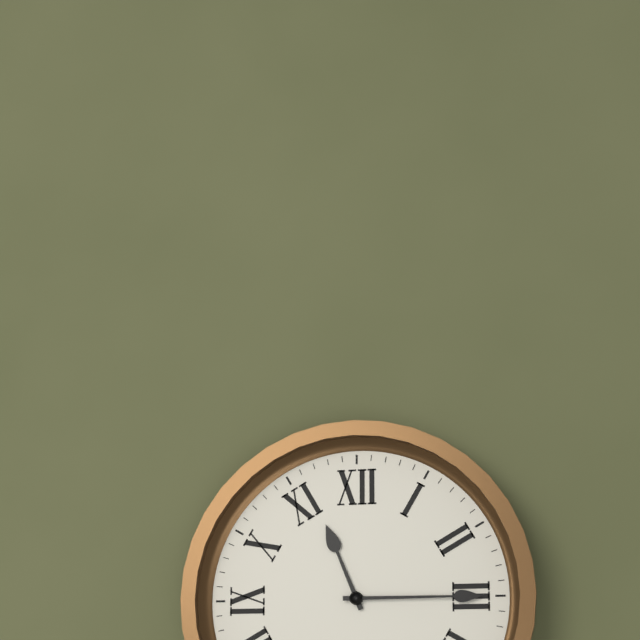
11:15
